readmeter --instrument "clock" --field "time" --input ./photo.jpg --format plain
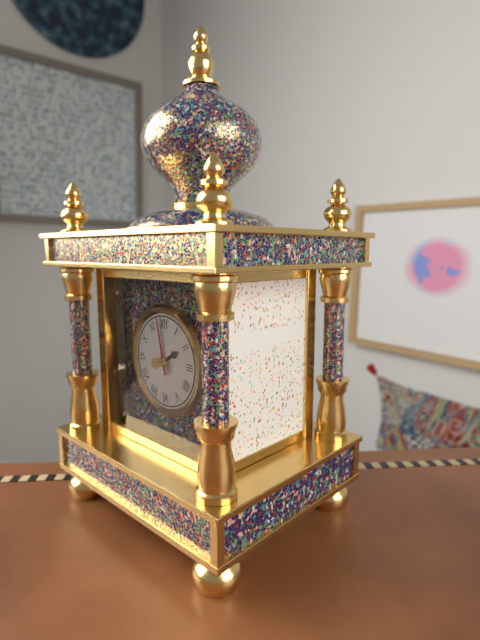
1:58
